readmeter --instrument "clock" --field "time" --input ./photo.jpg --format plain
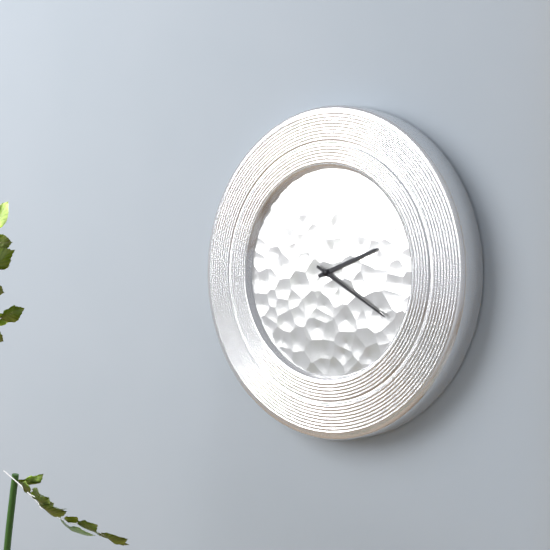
2:20
